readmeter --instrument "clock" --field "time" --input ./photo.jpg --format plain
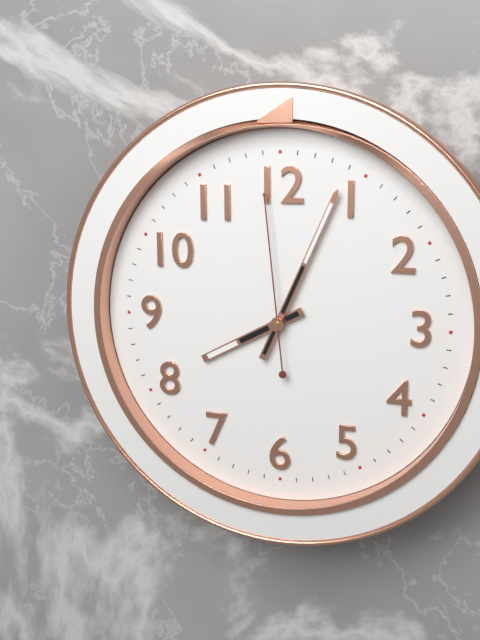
8:04:59
